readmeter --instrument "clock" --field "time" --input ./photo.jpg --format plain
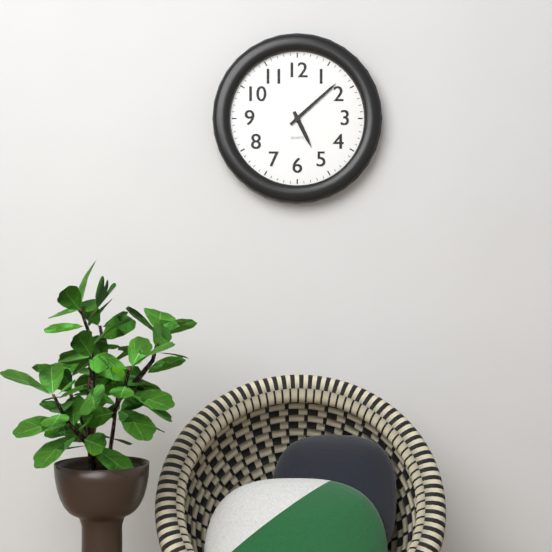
5:08
